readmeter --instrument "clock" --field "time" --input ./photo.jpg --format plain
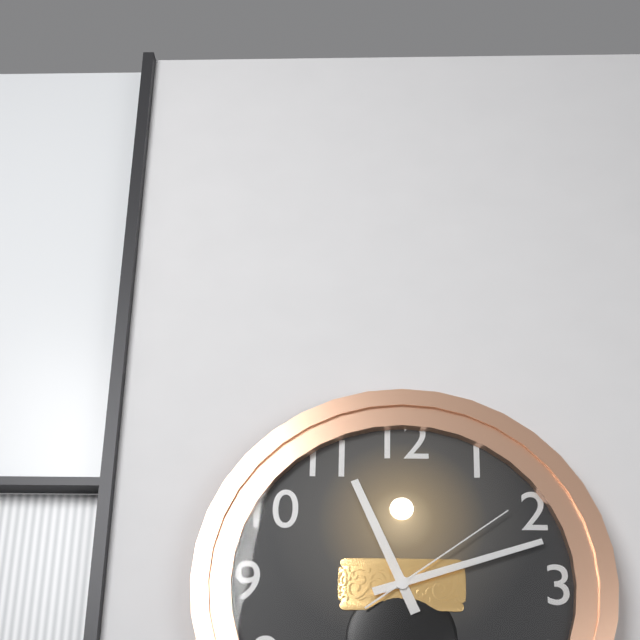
11:12:09
